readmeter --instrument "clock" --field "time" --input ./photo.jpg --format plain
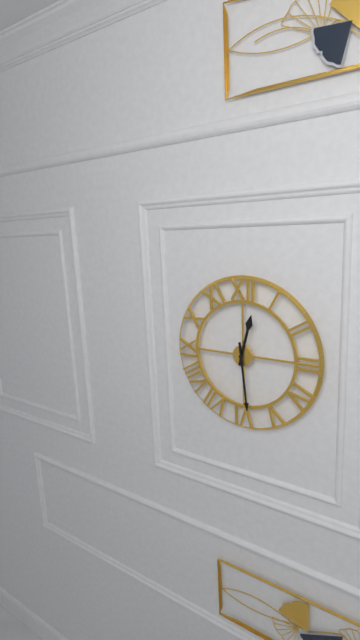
12:29
